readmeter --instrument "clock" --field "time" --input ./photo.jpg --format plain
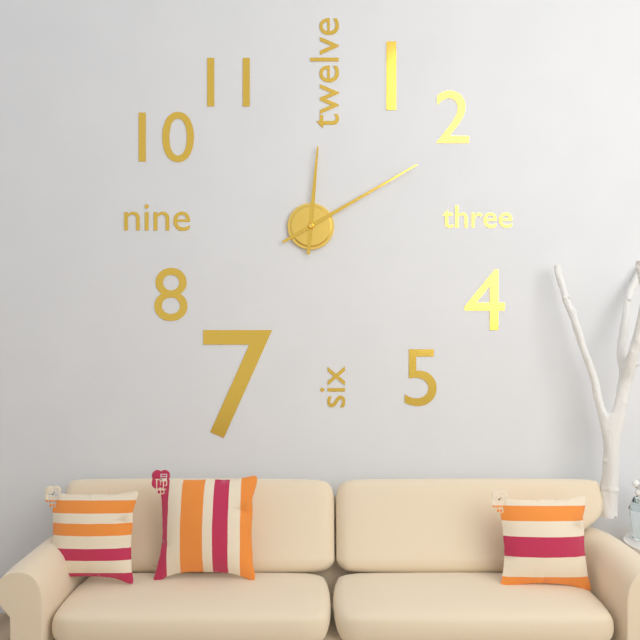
12:10
